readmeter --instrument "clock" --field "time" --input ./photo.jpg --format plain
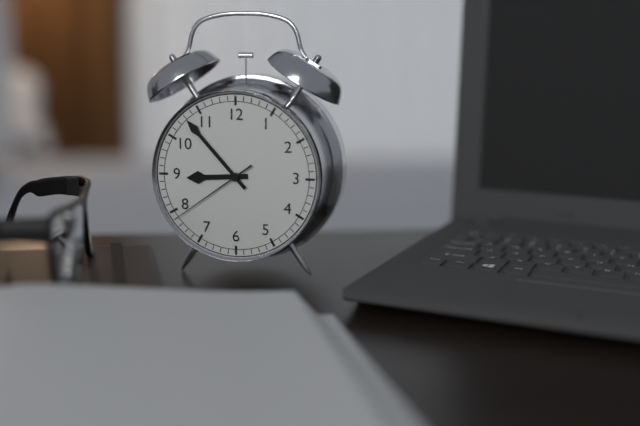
8:53:39
